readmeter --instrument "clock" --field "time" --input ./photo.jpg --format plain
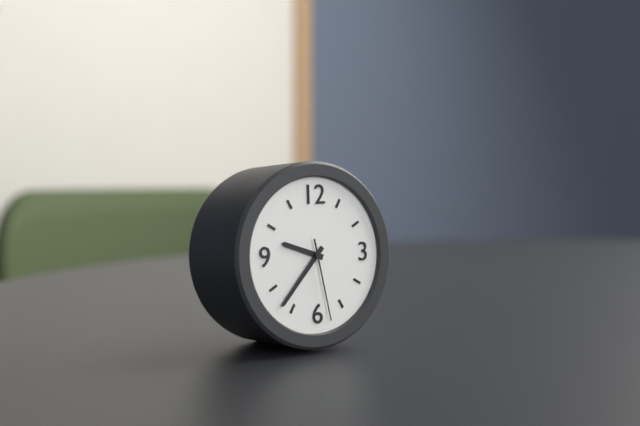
9:37:28
